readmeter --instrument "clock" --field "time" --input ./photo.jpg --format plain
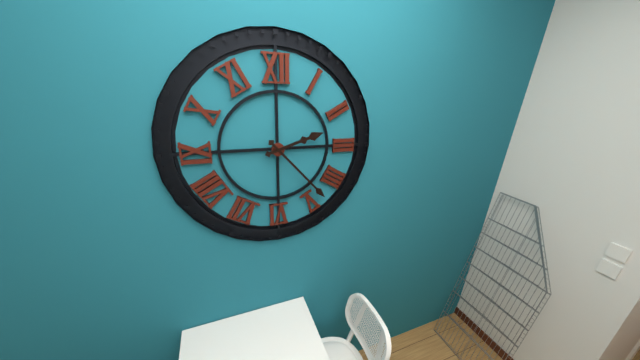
2:23
